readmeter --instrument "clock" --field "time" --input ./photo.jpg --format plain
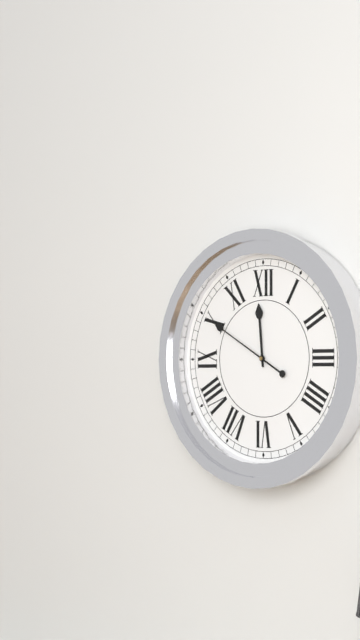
11:50
